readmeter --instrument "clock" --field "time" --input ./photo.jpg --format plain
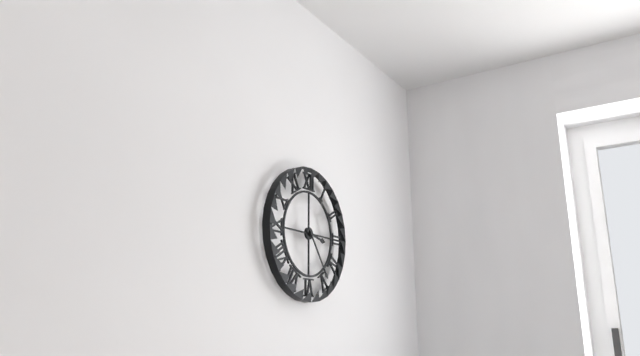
3:24
